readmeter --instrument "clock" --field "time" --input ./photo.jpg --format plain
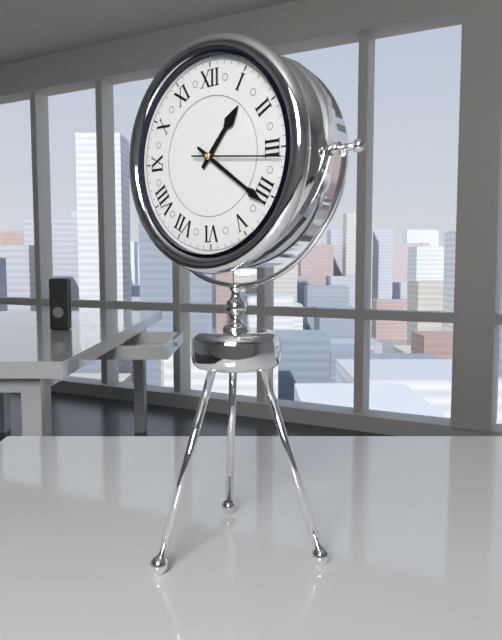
1:21:16
